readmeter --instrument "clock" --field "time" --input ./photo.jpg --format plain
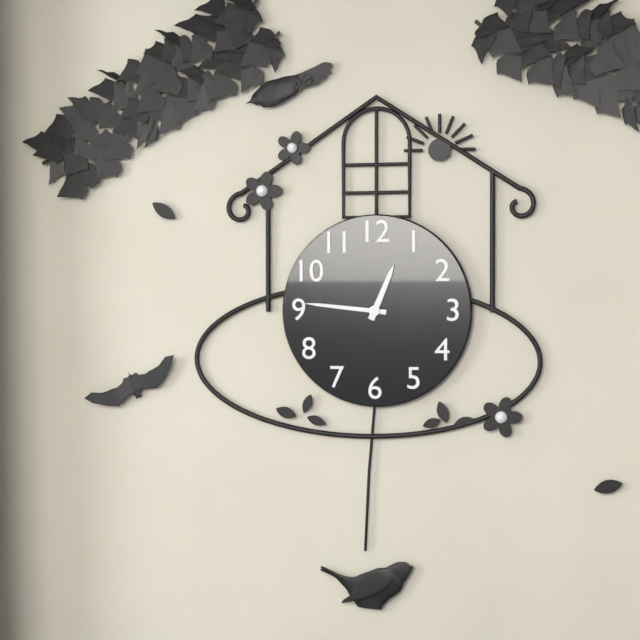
12:46
